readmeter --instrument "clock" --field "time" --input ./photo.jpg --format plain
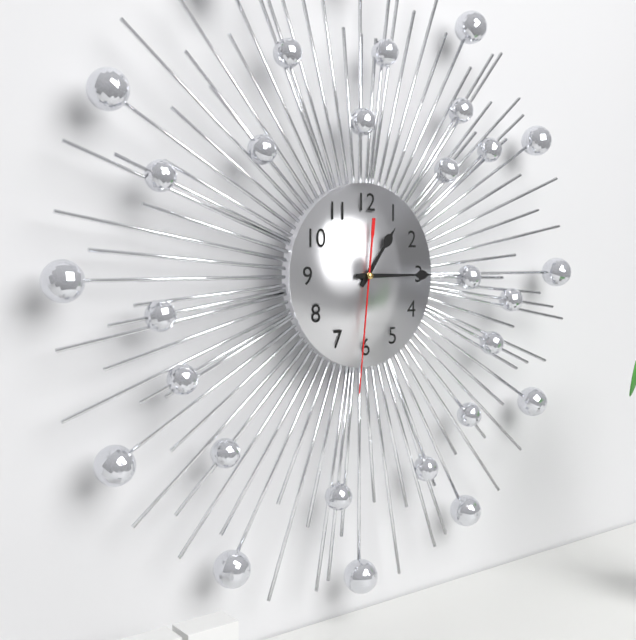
1:15:31
